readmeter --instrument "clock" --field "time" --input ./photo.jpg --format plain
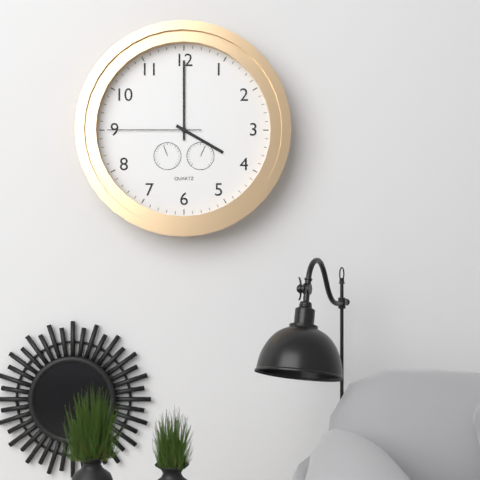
4:00:45
